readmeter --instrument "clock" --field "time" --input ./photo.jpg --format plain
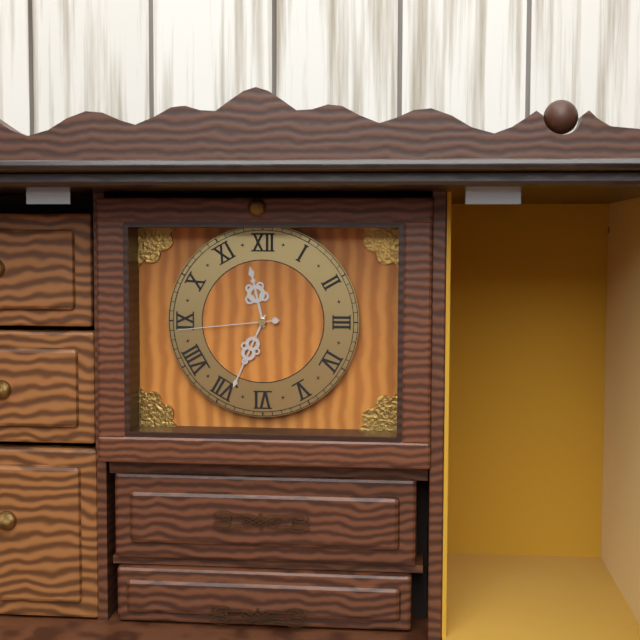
11:34:44
